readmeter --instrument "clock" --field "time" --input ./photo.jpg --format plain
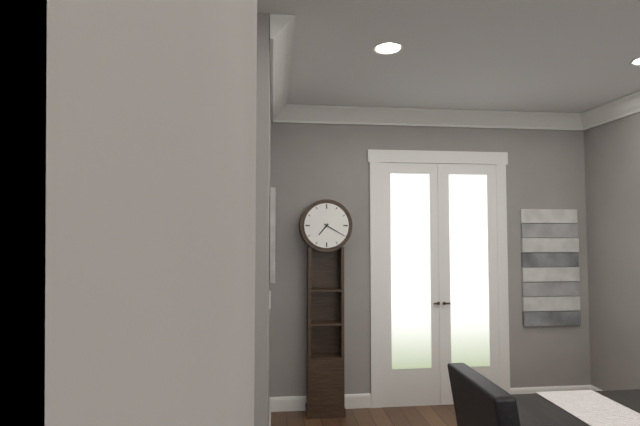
7:20
